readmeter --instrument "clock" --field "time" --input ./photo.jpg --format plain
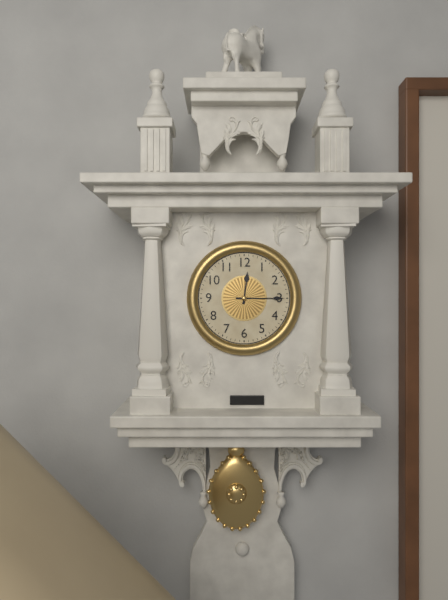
12:15
